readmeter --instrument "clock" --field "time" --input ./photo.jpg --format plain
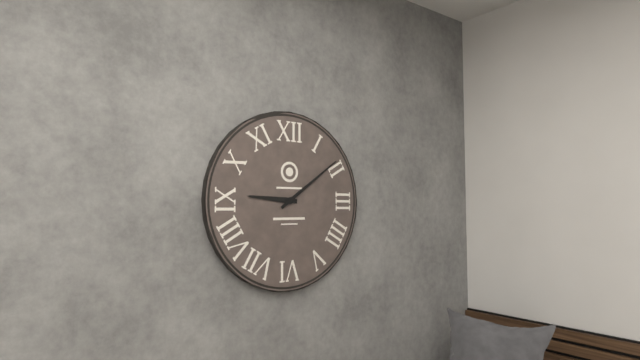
9:09
